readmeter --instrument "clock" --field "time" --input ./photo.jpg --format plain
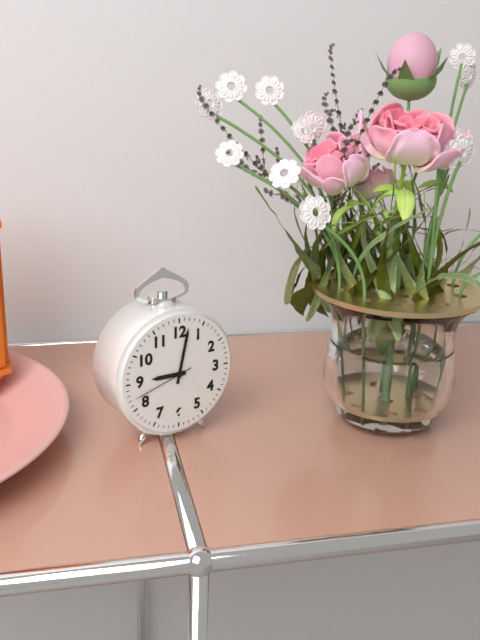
9:02:42
